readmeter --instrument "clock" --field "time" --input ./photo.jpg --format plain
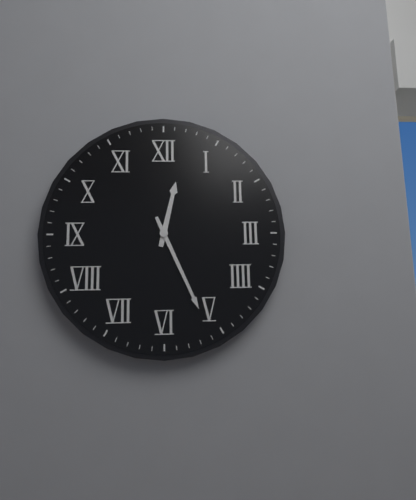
12:26
